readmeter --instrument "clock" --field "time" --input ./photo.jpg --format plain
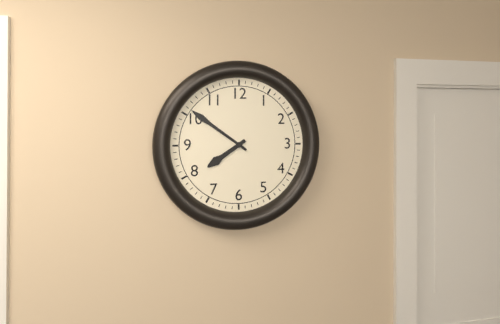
7:51
